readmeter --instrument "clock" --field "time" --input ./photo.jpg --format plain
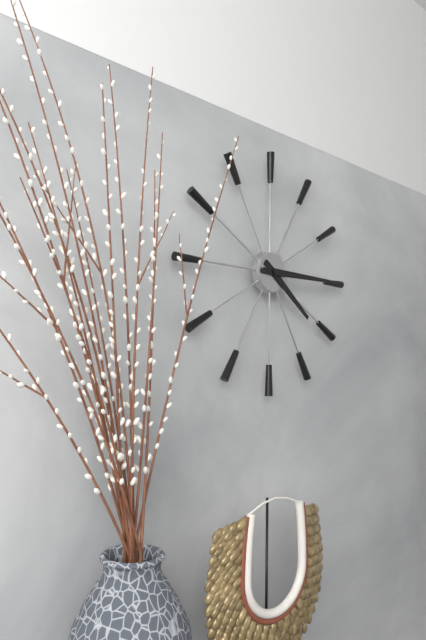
4:15
